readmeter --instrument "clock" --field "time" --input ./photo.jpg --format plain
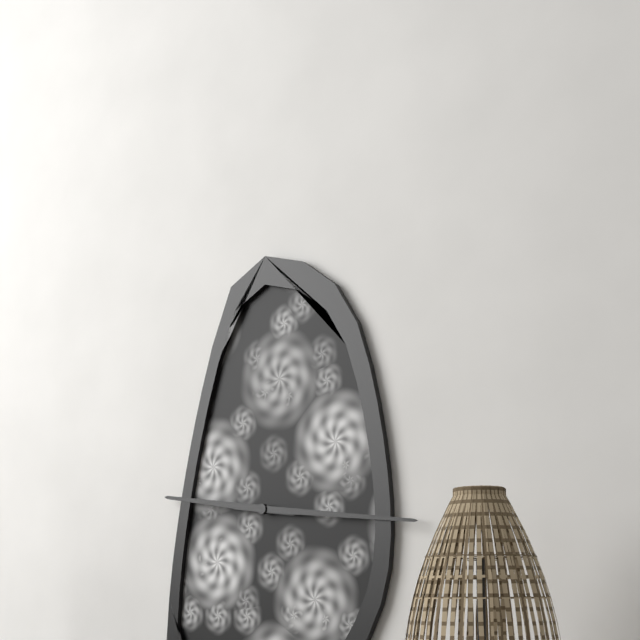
9:16
